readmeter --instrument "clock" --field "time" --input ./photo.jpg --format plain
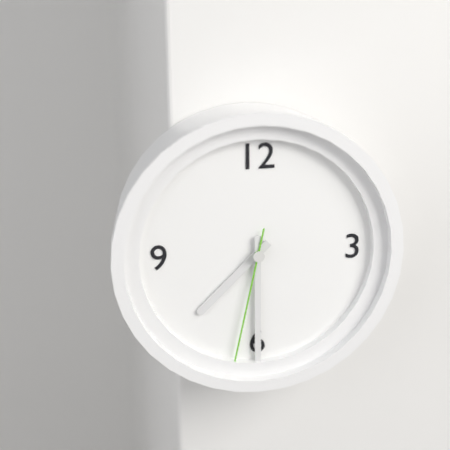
7:30:32
